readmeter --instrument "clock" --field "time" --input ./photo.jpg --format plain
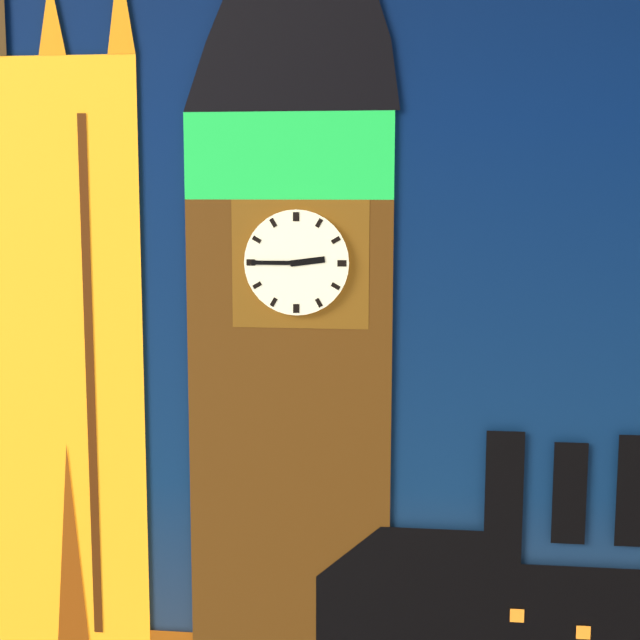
2:45
